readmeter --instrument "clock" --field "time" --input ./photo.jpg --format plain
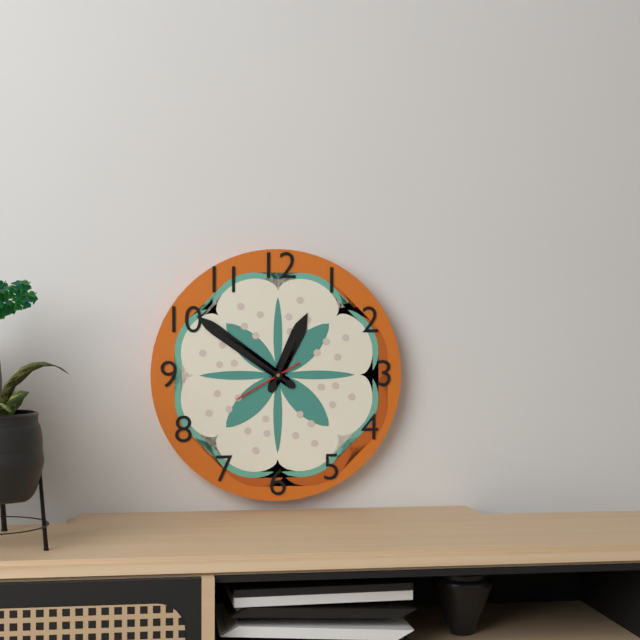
12:51:40
